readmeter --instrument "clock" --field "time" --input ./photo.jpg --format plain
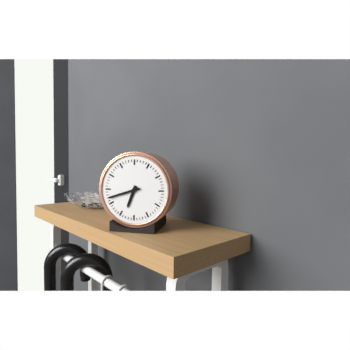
6:42
